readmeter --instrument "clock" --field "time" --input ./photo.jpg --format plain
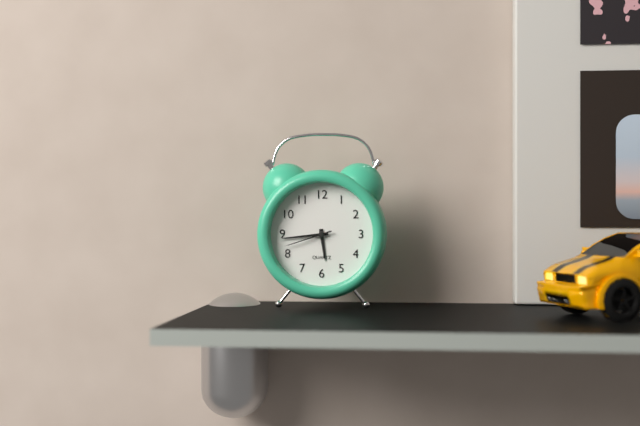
5:44
